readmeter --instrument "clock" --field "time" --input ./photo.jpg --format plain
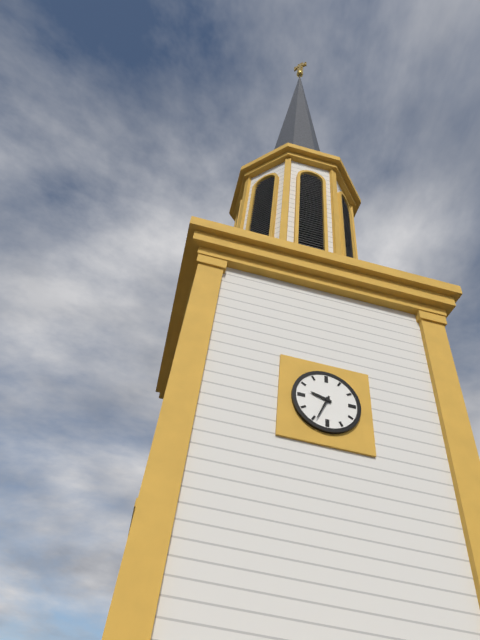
9:34
